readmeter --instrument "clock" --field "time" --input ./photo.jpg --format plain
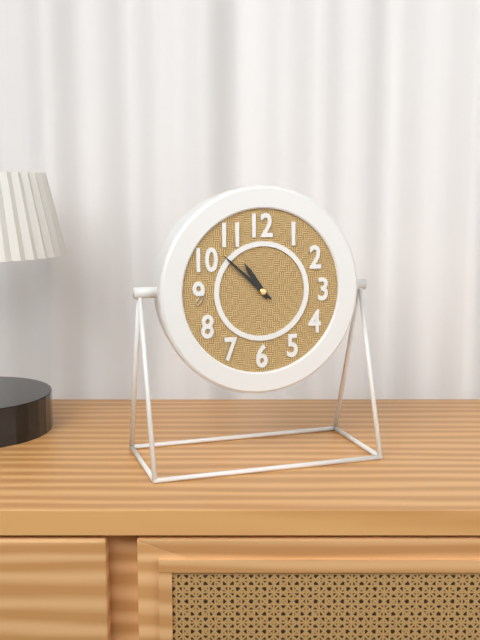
10:52
